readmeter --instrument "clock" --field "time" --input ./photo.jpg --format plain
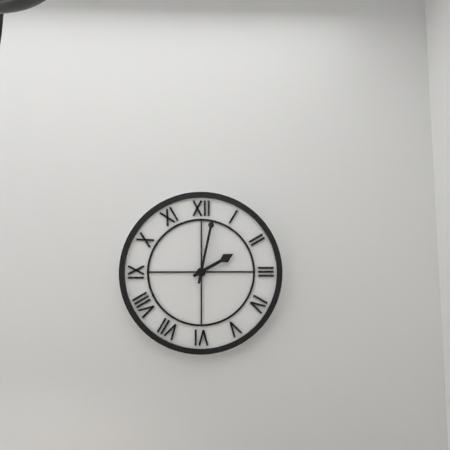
2:02
